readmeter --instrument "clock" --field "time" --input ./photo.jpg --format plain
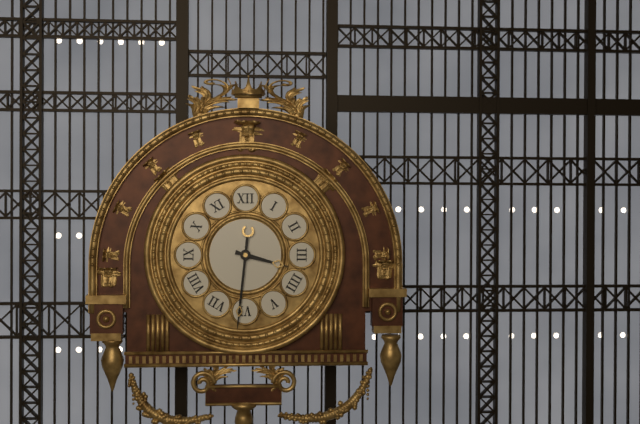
3:31
